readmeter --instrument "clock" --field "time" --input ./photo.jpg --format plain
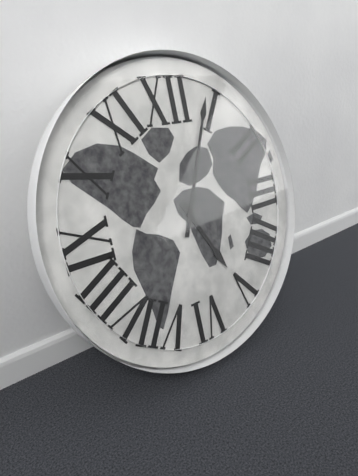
5:04
